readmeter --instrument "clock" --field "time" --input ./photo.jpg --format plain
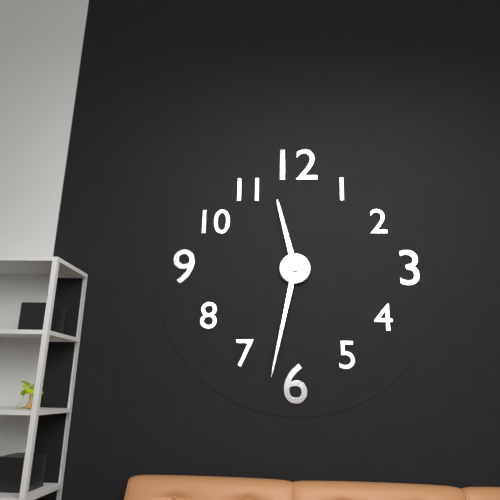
11:32
